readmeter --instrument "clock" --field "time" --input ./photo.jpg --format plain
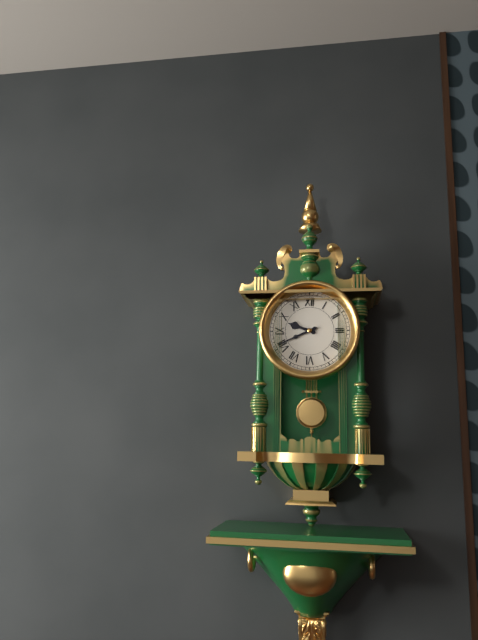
9:41
